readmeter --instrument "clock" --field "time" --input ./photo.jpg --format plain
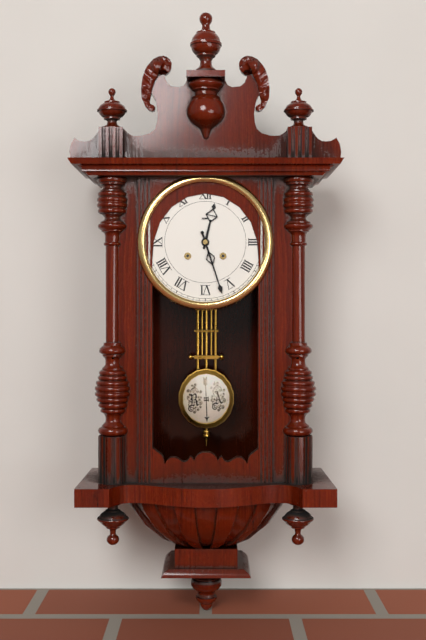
12:27
